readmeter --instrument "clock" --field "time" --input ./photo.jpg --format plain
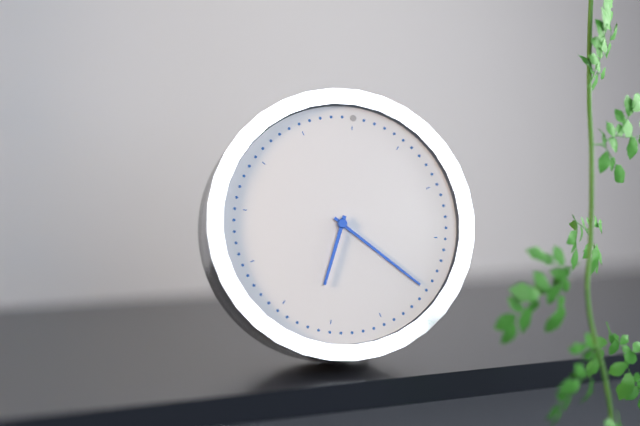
6:20
